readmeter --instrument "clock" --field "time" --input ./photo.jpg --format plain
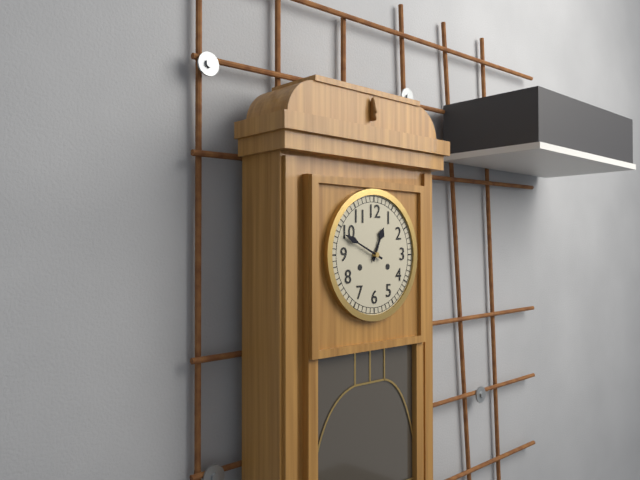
12:49
